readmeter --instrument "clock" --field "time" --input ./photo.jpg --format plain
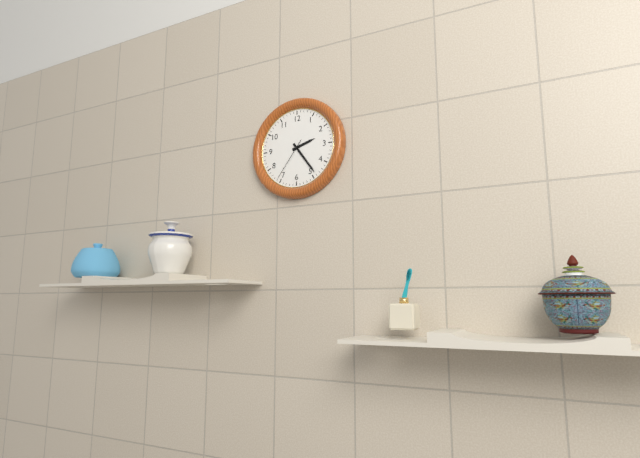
2:24
